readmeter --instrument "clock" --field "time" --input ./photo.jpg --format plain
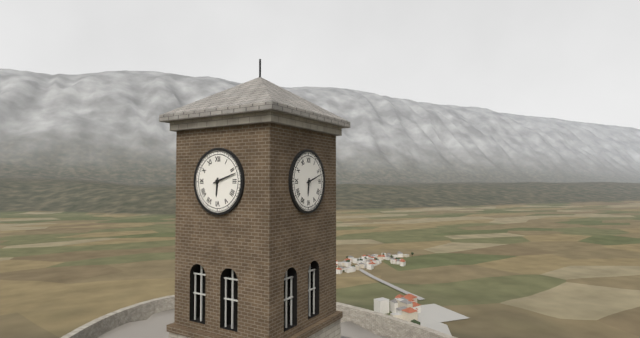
6:12
